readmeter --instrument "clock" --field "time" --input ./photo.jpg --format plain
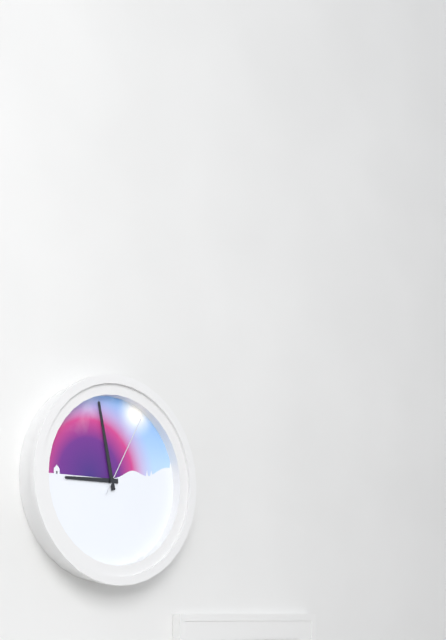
8:58:05
